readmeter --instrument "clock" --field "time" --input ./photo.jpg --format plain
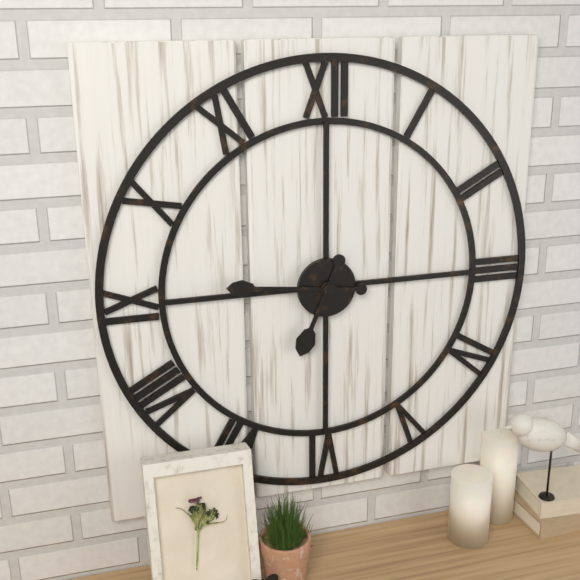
6:46
